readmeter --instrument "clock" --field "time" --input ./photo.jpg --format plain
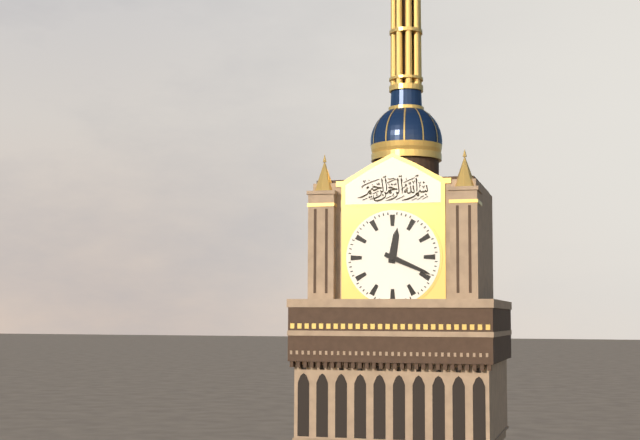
12:19
